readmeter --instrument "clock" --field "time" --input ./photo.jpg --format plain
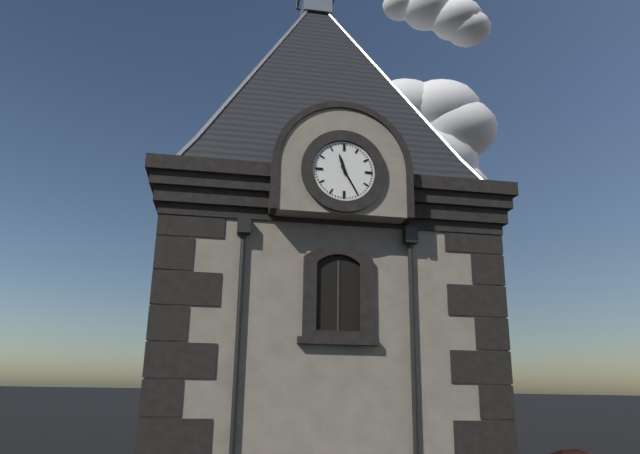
11:25
